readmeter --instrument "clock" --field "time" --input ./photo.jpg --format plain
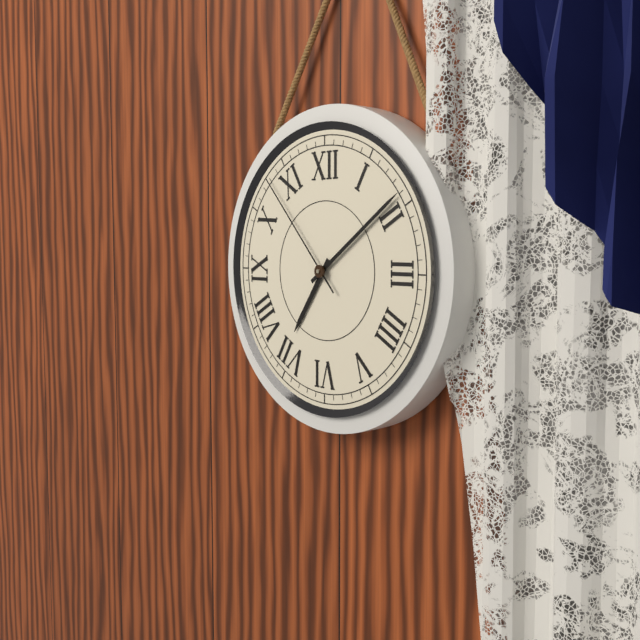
7:09:53
